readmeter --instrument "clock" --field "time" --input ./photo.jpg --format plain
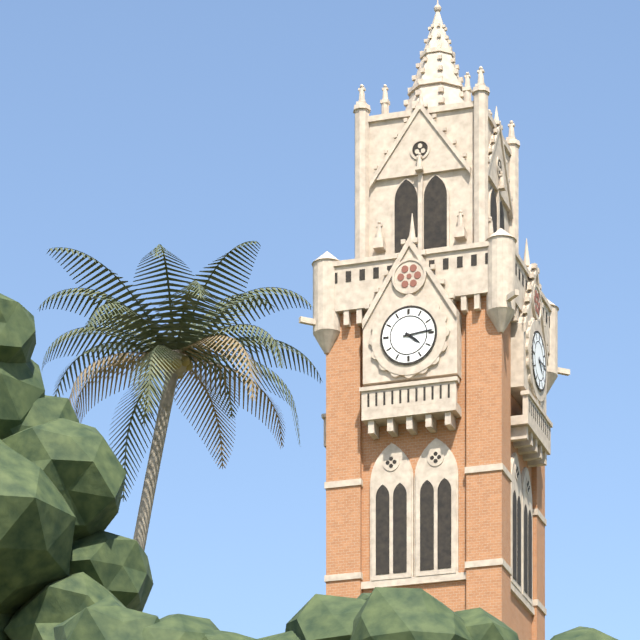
4:14
